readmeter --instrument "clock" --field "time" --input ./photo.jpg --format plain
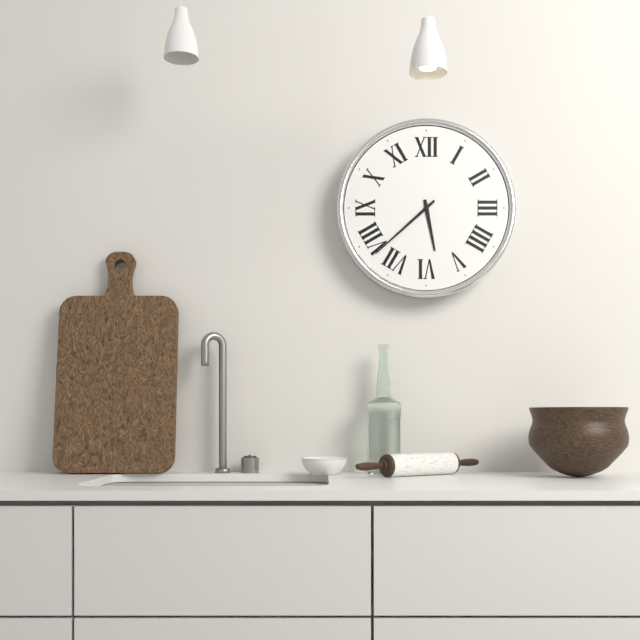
5:38
